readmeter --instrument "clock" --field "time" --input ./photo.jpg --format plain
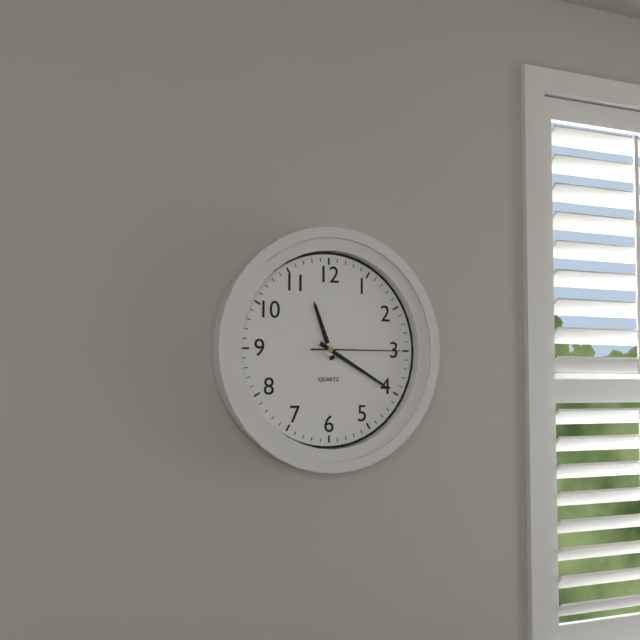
11:20:15
